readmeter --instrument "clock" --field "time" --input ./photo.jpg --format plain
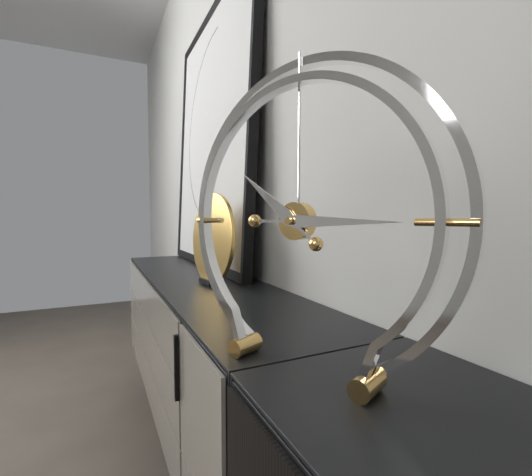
10:15
